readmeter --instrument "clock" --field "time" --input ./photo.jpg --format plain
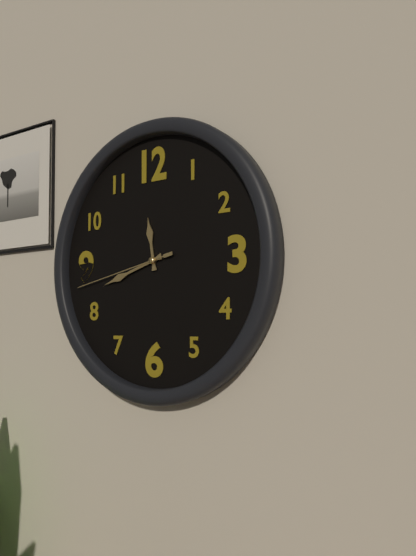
11:42:43
